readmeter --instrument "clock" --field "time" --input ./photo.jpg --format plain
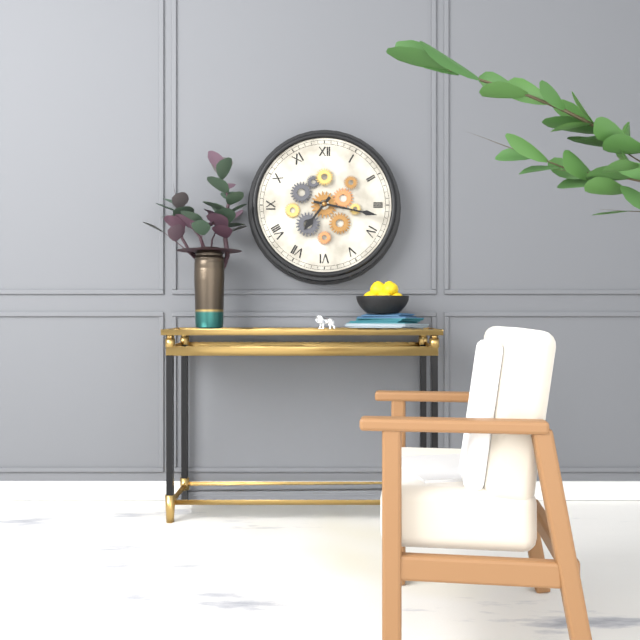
7:17
